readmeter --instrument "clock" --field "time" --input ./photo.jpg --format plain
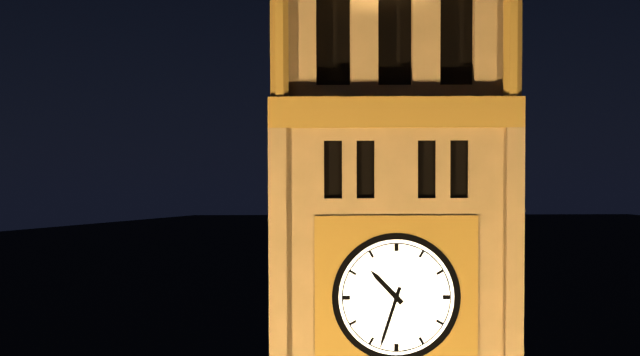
10:33
